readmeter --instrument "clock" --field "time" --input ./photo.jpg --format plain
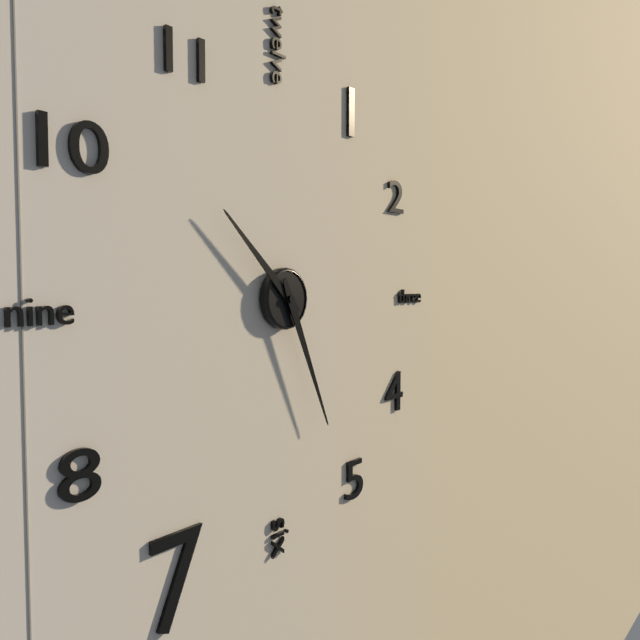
10:26
